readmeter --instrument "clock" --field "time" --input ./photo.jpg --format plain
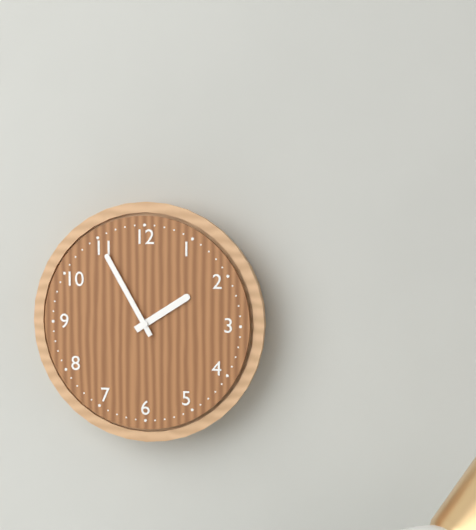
1:55
